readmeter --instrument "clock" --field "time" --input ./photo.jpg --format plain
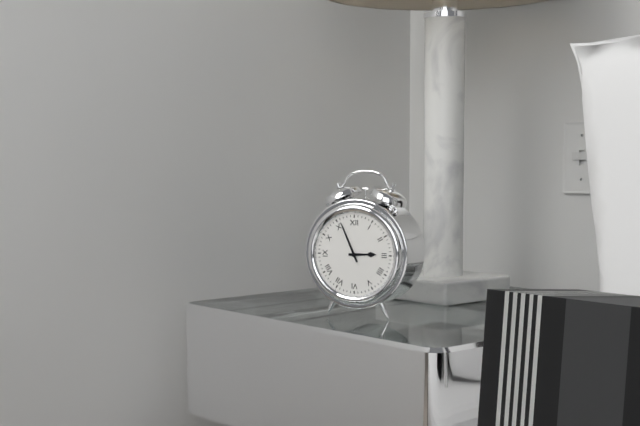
2:56
